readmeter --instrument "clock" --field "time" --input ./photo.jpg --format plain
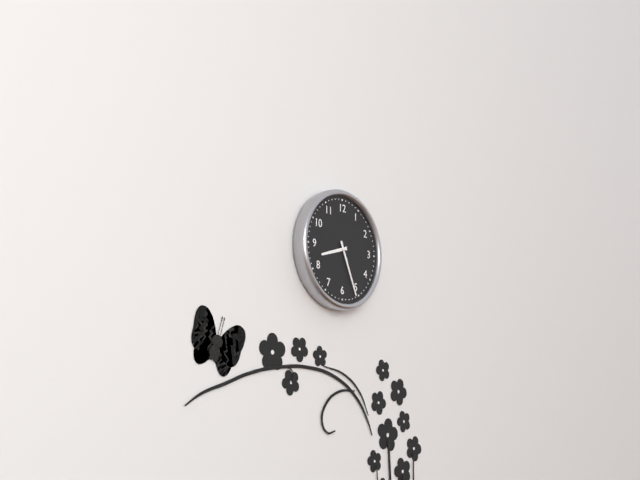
8:26
